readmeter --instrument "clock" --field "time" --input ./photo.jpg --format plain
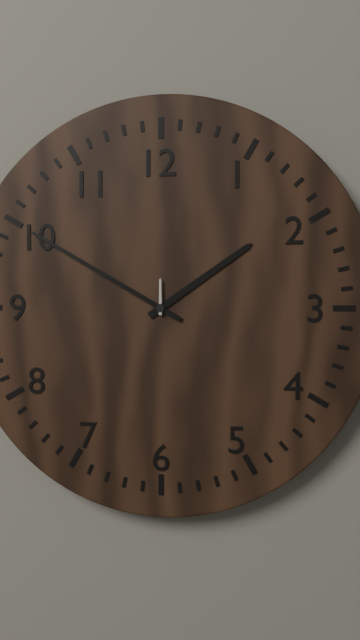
1:50
